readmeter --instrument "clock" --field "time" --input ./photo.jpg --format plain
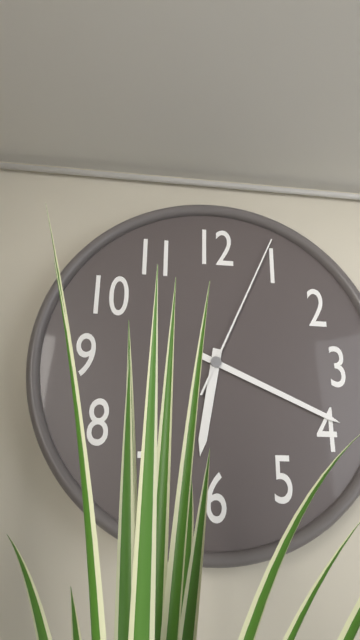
6:19:04
